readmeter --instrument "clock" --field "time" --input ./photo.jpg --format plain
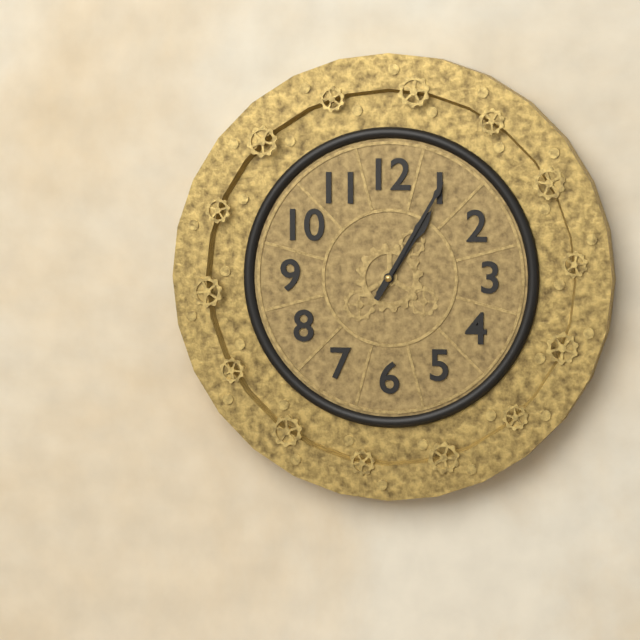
1:05
